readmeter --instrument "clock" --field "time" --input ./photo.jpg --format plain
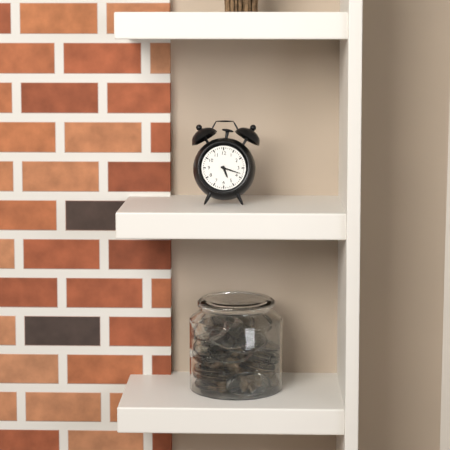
5:18
